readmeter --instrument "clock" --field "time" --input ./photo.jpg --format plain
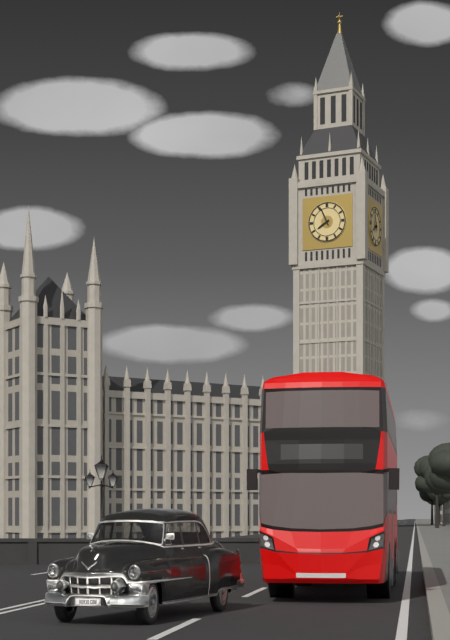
7:56
